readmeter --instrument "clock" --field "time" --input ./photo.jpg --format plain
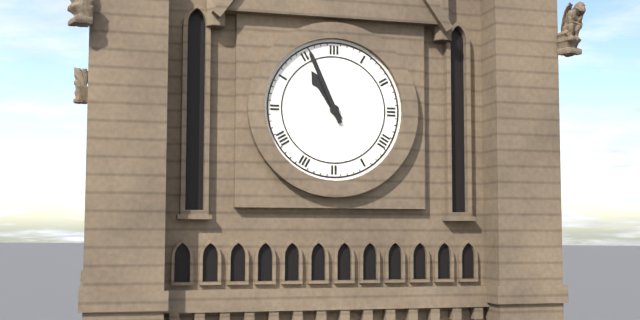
10:56
